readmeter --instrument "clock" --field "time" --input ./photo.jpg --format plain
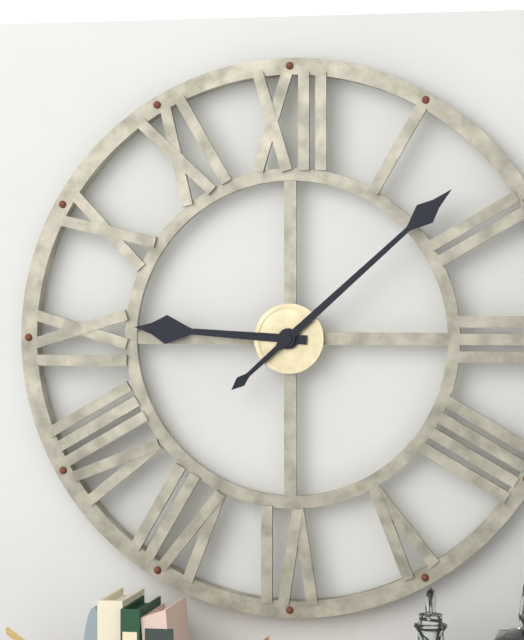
9:08
